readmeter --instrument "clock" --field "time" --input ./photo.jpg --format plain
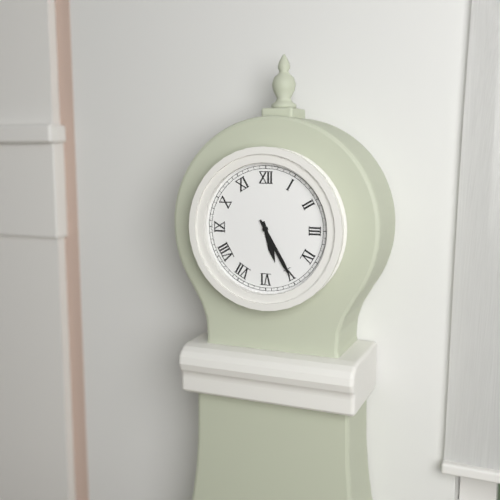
5:25
